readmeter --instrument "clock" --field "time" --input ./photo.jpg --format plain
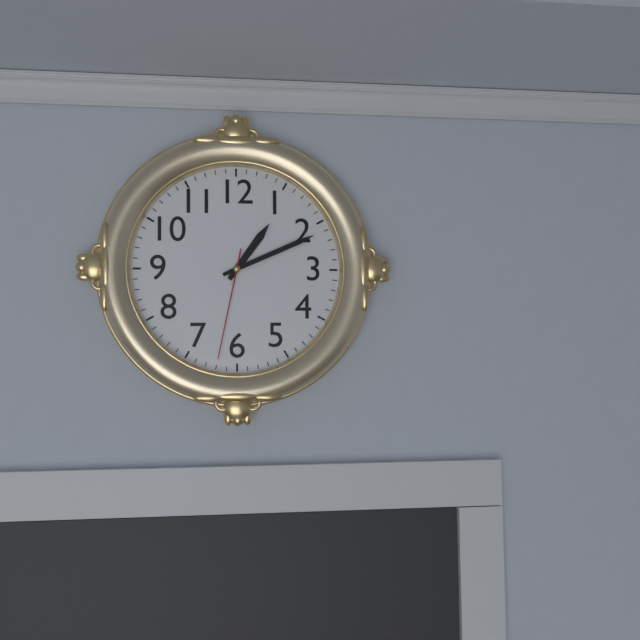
1:11:32
